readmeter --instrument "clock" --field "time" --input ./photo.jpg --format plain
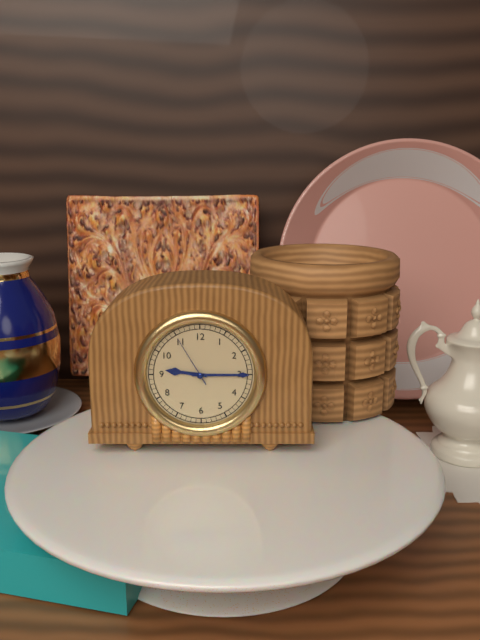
9:15:55
